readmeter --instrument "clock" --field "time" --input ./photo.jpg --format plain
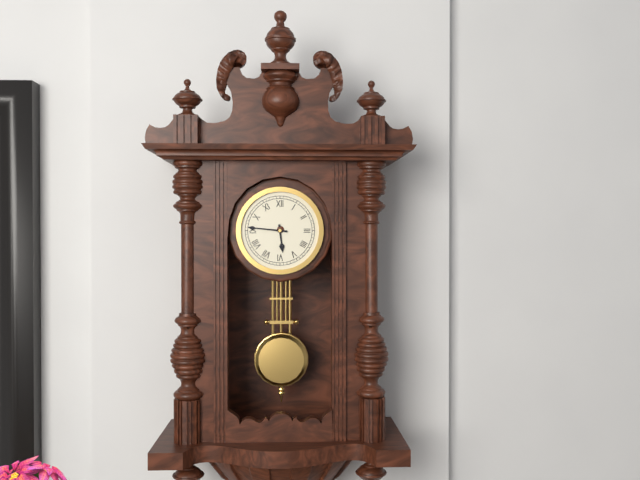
5:46
